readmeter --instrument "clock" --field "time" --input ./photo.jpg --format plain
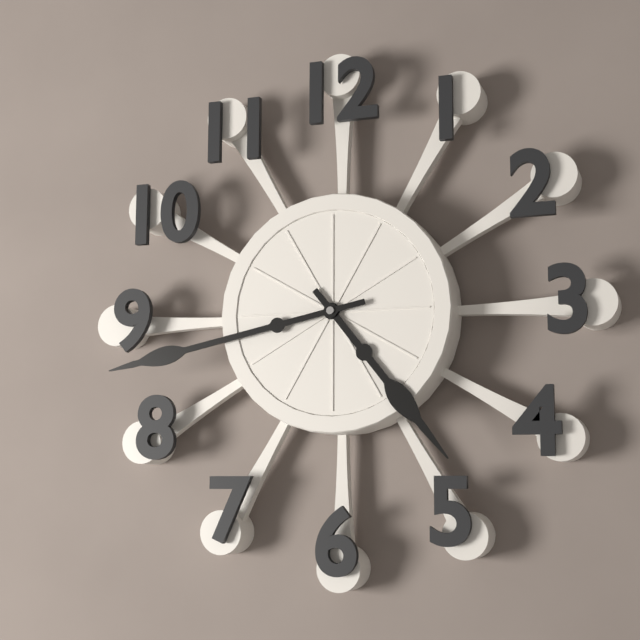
4:43
